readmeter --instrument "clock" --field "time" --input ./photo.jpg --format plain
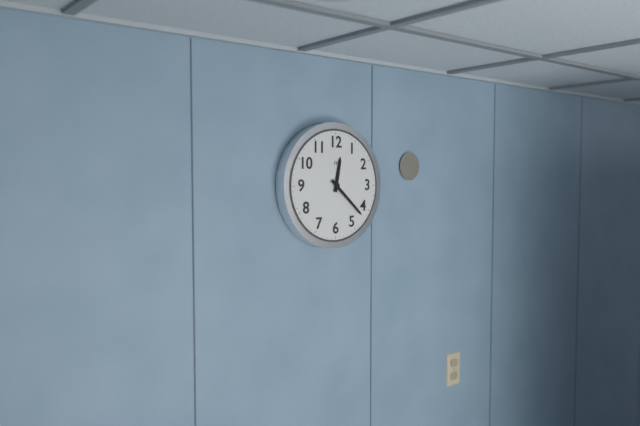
12:22
